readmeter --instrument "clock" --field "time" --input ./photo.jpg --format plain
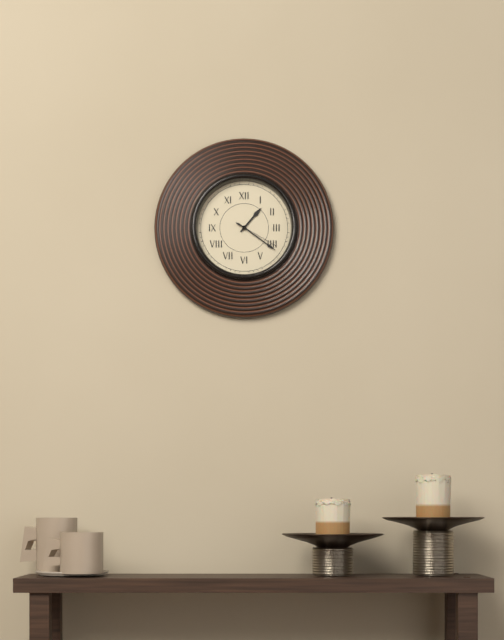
1:21
